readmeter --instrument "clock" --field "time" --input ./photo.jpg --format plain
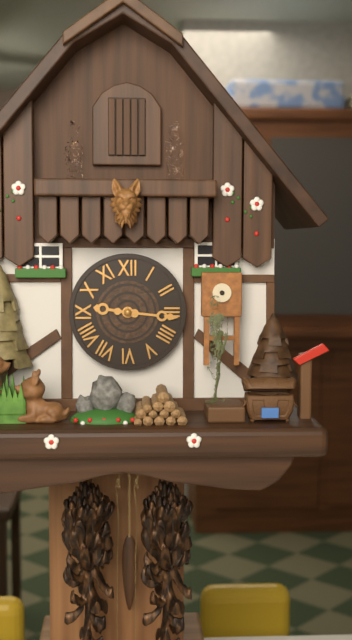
9:16
